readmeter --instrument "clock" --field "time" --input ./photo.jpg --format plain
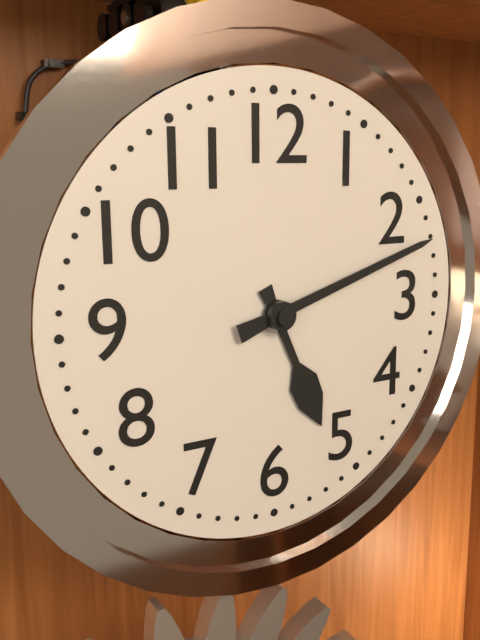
5:12
